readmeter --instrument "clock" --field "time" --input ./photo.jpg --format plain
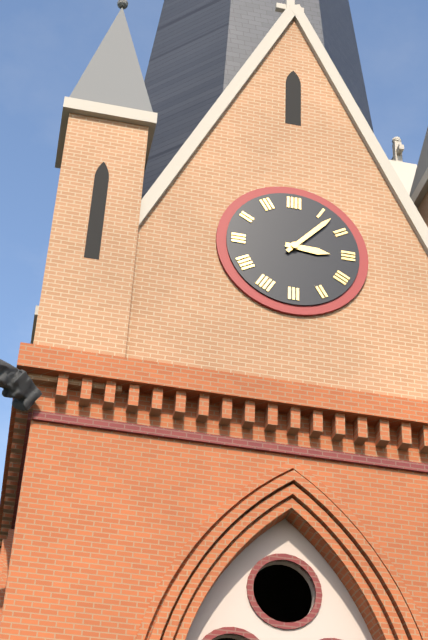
3:07
